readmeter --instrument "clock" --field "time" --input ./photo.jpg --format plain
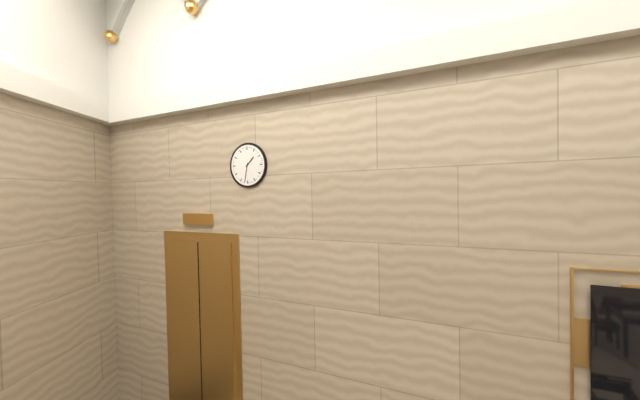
1:32
